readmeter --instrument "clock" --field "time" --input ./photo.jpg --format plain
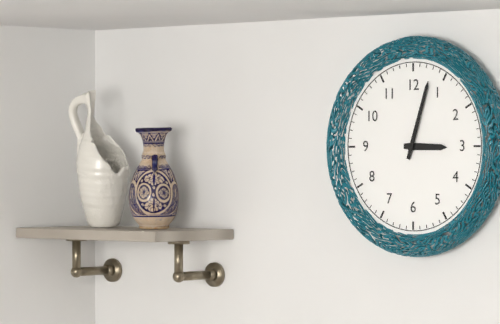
3:03
